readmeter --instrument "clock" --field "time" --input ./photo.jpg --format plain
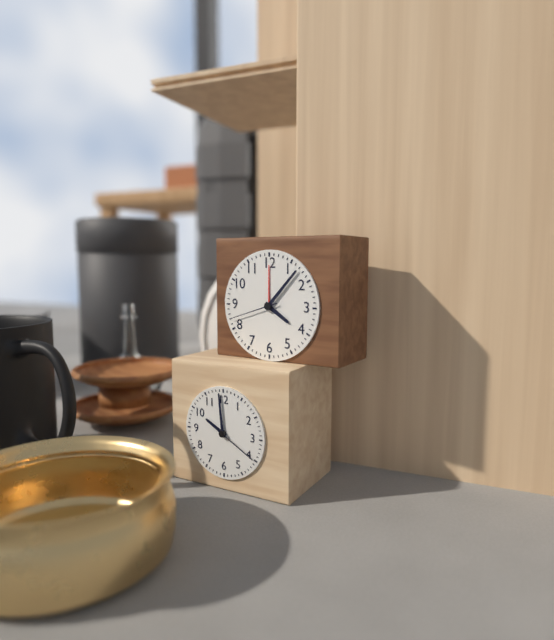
4:07
